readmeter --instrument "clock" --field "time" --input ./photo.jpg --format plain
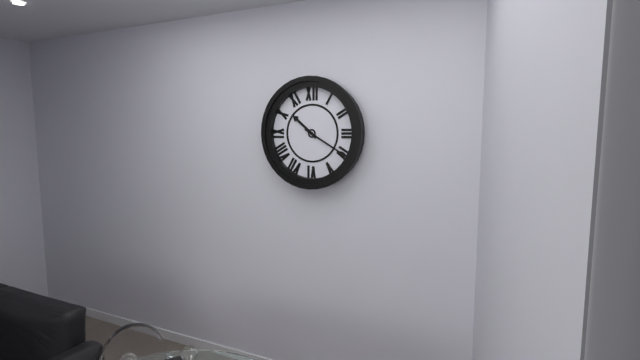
10:20
